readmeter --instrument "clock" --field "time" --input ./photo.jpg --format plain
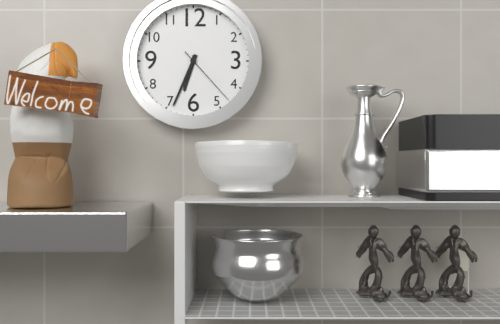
6:34:23
